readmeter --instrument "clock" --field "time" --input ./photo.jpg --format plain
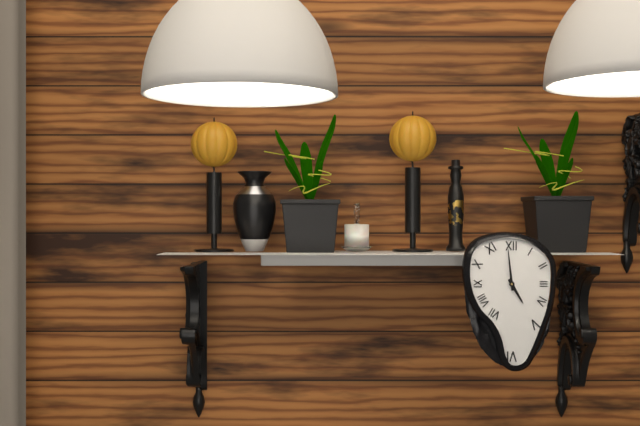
4:59
